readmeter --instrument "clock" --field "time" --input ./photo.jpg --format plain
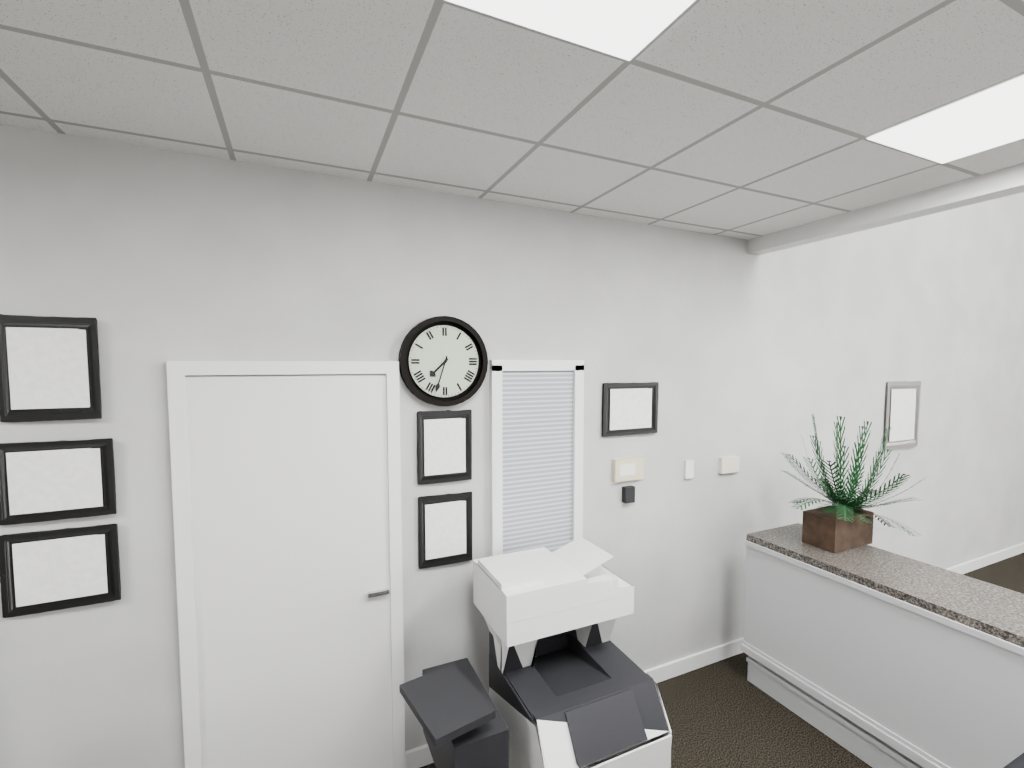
7:33
